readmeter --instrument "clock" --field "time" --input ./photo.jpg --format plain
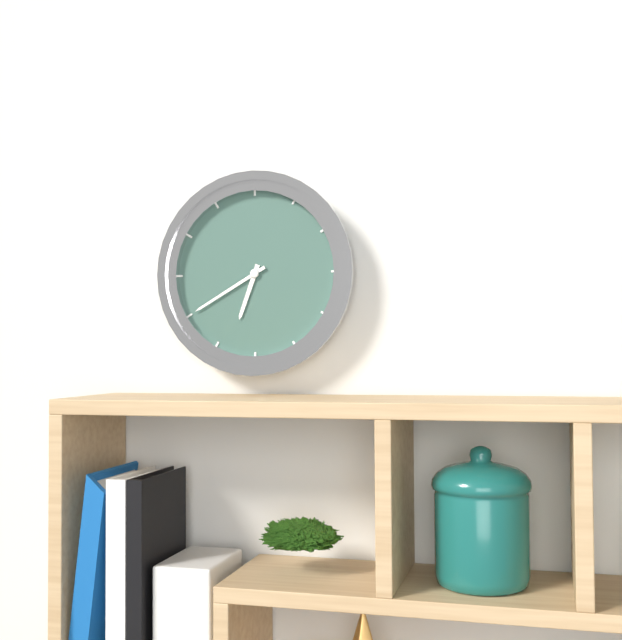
6:40
